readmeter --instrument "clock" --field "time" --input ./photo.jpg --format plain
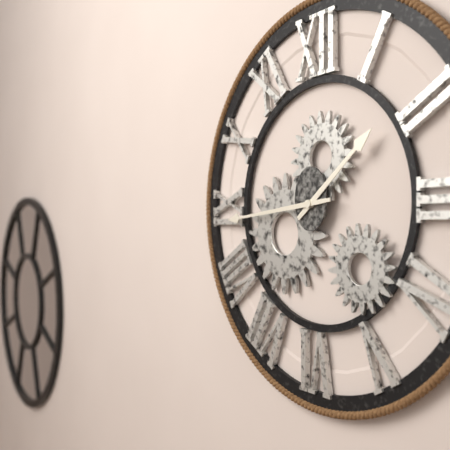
1:44
